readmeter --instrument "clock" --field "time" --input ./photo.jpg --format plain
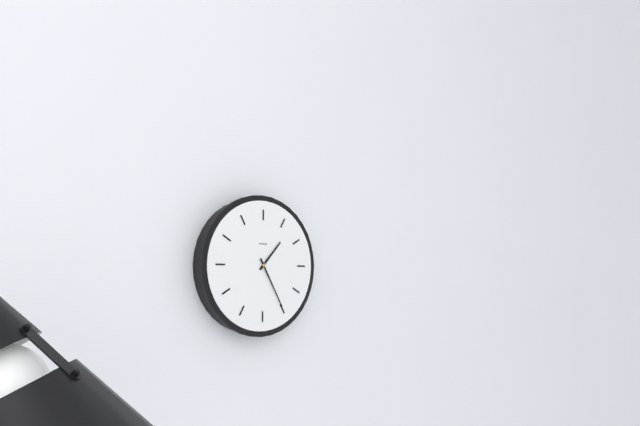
1:25
